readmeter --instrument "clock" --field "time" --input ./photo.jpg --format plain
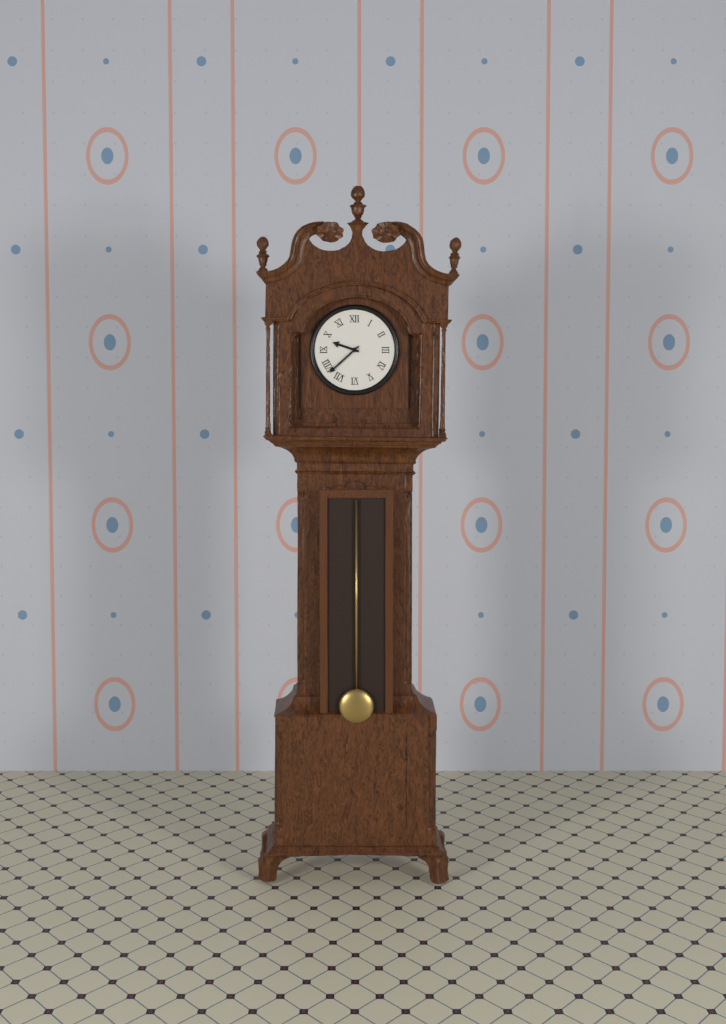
9:38
